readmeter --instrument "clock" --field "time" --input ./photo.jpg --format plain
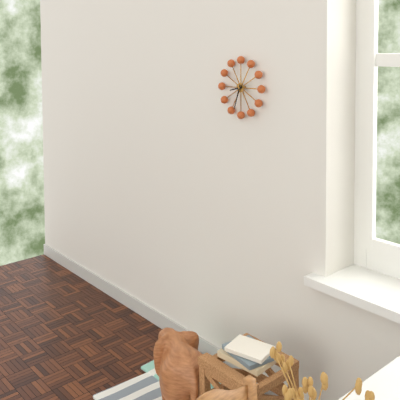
8:33
